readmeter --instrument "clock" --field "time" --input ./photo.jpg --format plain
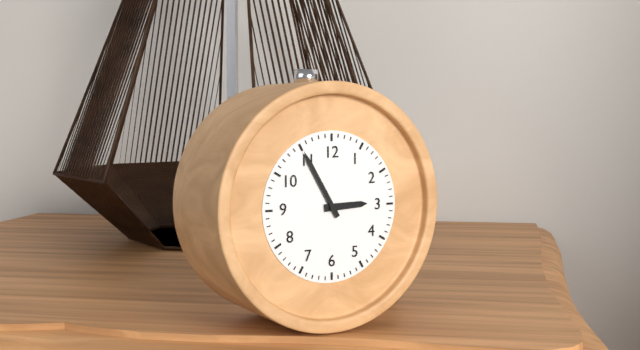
2:55
